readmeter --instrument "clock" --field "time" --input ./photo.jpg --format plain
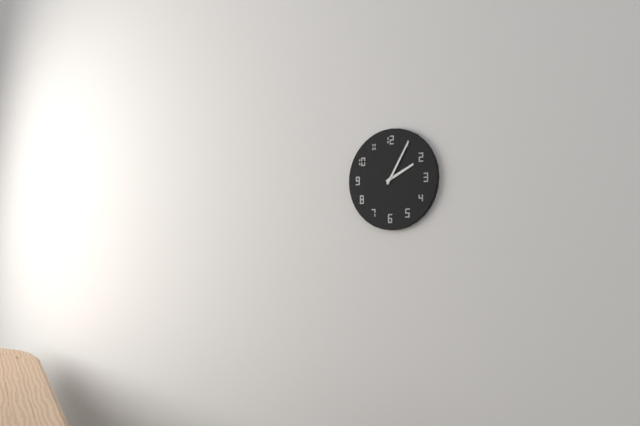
2:05
